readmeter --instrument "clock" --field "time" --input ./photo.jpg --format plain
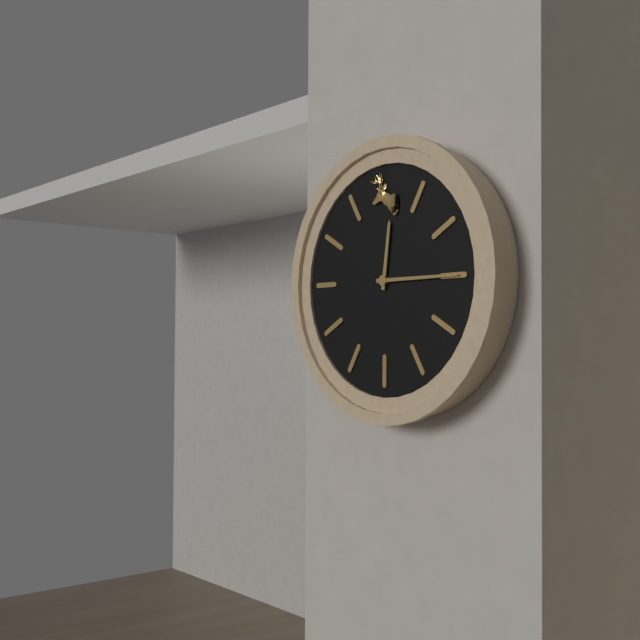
12:15
